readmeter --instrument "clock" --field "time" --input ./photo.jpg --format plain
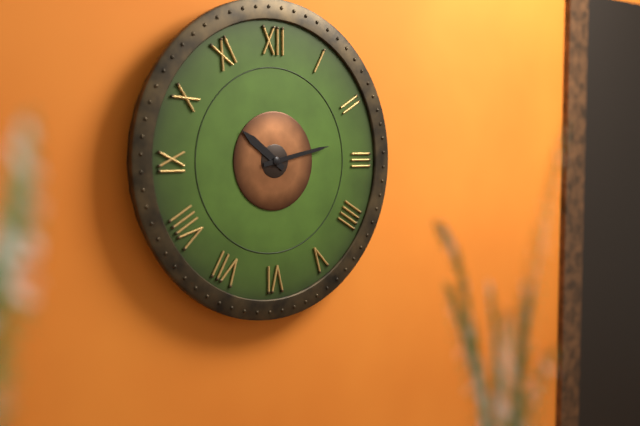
10:13
